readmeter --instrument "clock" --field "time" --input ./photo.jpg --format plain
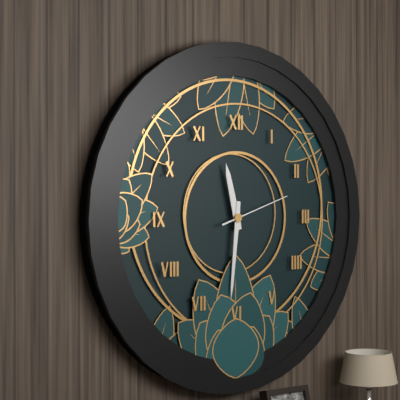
11:31:12
